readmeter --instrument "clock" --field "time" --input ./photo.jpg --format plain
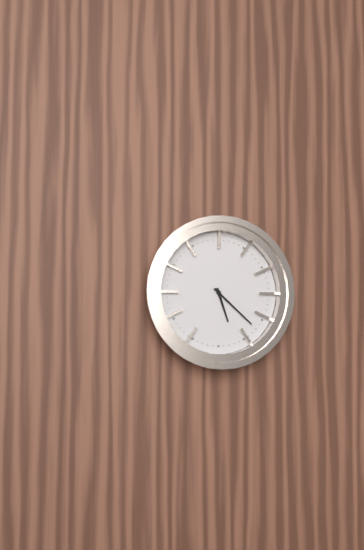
5:22
